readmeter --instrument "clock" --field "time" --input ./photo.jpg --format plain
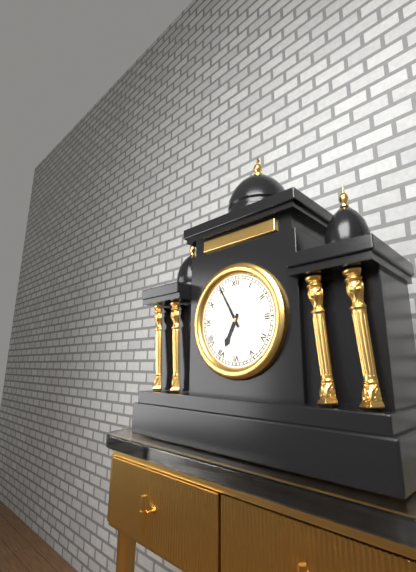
6:55
